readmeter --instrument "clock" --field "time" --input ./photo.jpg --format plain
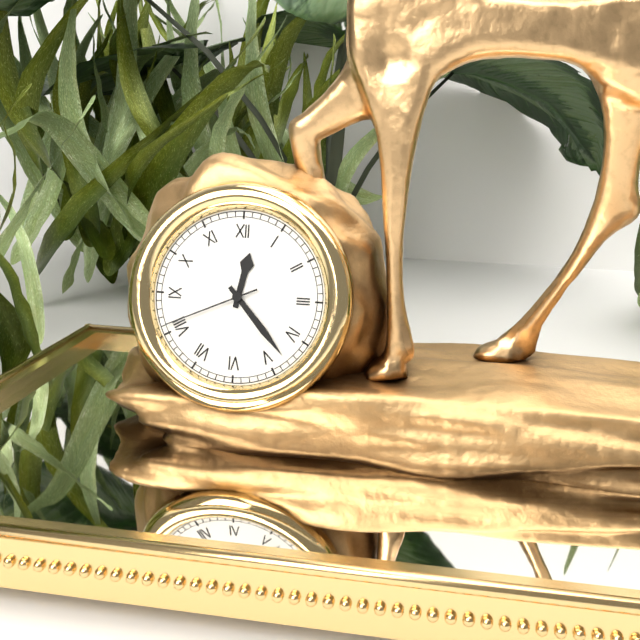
12:23:41
